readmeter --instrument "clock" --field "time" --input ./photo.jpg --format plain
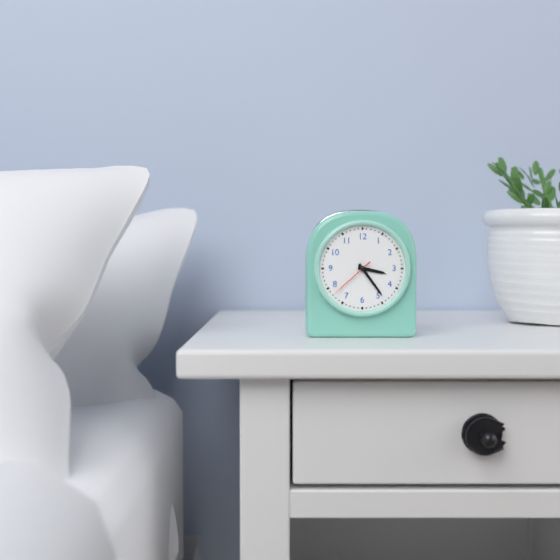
3:24
